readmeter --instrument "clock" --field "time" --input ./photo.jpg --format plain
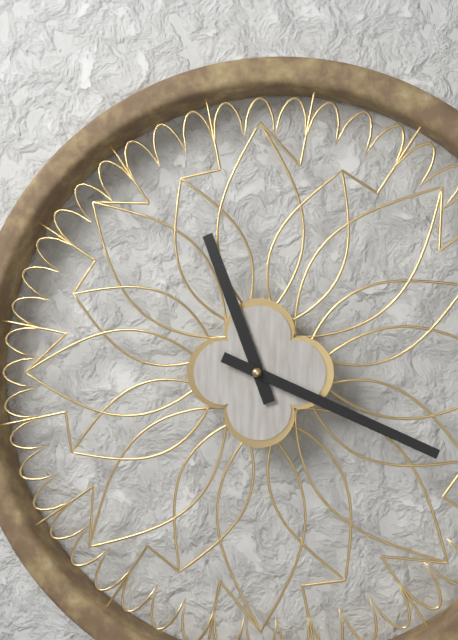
11:19
